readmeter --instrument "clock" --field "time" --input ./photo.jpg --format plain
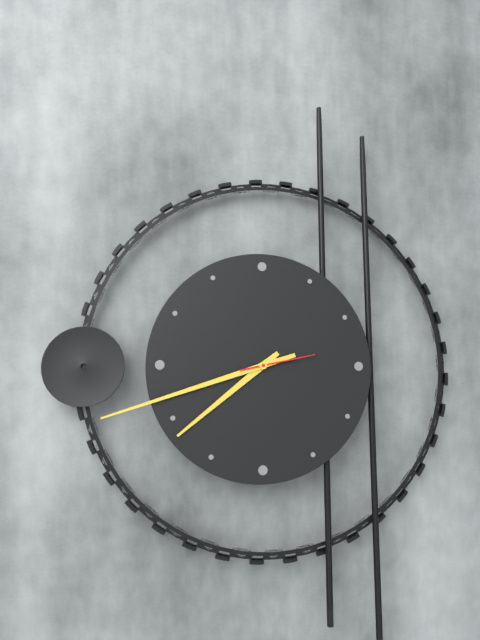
7:42:13
